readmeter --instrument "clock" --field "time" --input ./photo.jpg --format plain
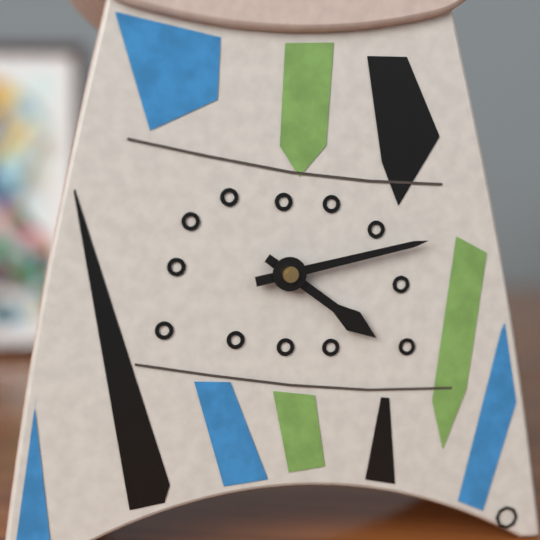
4:13
